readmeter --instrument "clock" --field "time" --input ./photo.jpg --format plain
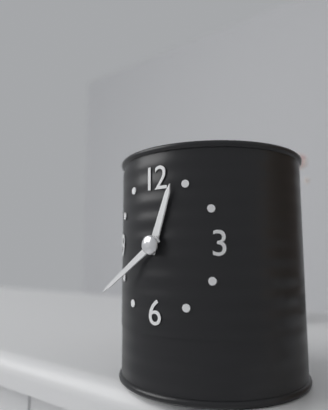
12:39
